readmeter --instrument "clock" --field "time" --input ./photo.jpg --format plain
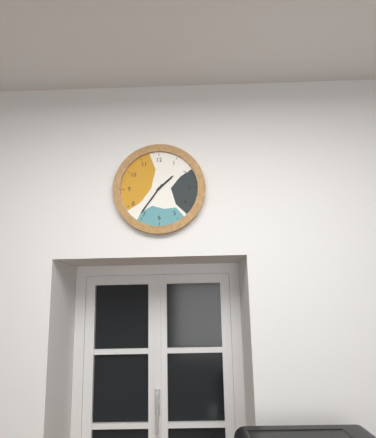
1:36
